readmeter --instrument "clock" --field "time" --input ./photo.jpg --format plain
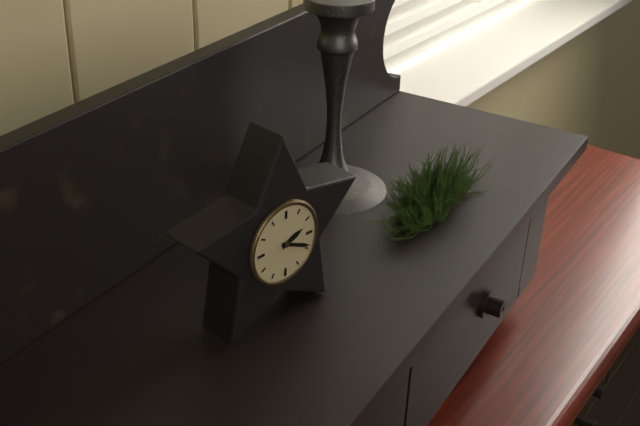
2:19
